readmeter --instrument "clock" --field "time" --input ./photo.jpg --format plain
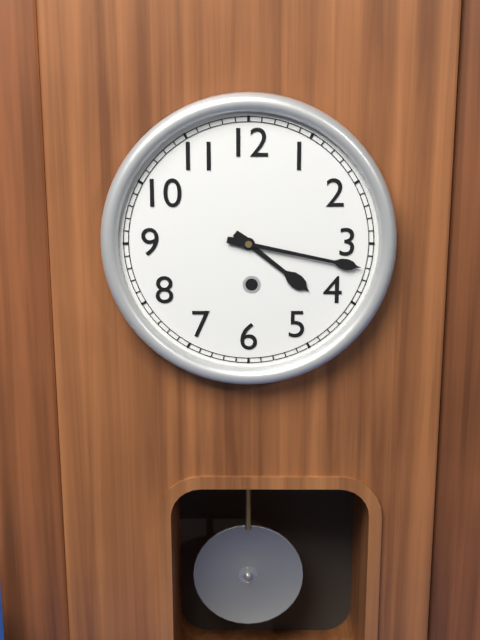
4:17
